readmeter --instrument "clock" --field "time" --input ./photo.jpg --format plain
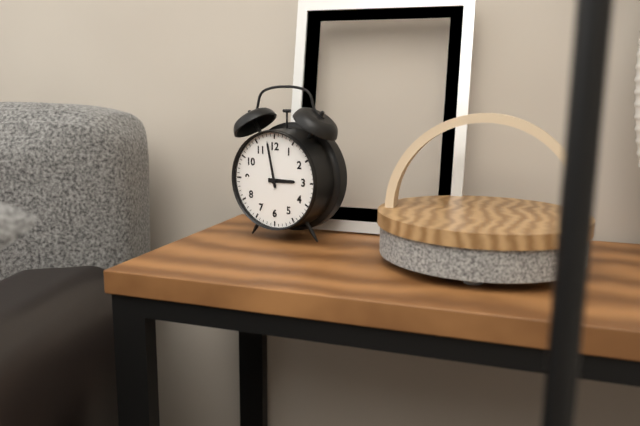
2:58
